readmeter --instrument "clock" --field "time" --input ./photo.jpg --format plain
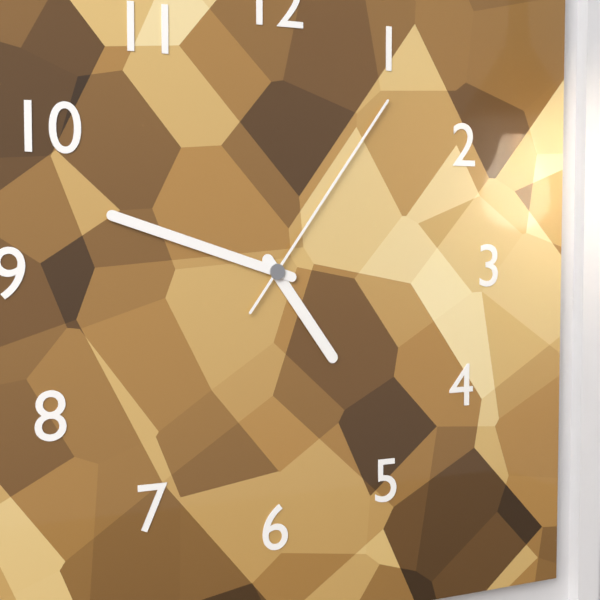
4:48:06
